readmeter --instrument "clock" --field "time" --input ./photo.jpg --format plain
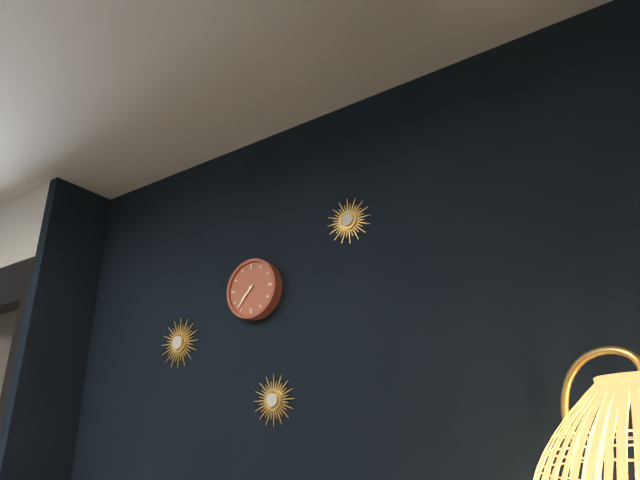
7:37
